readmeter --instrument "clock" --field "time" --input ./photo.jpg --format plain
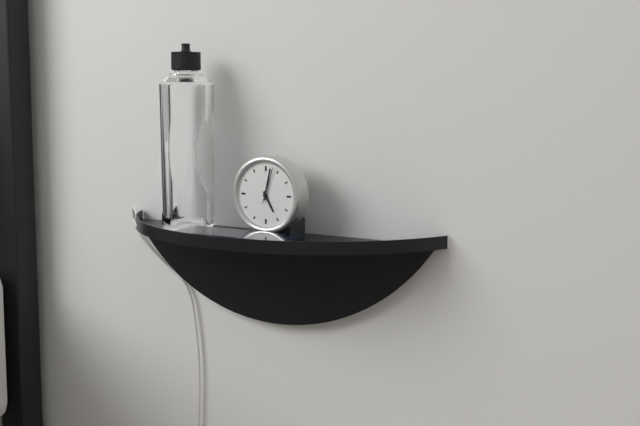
5:02
